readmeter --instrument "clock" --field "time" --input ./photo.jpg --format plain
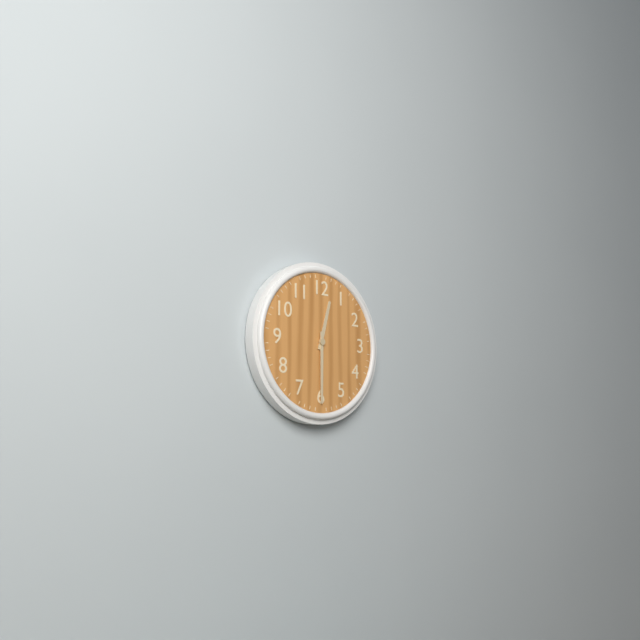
12:30
